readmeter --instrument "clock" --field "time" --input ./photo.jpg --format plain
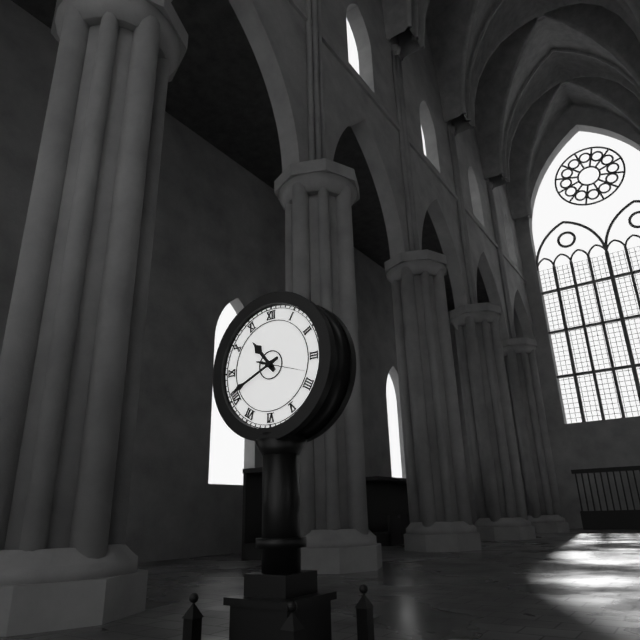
10:41:18
